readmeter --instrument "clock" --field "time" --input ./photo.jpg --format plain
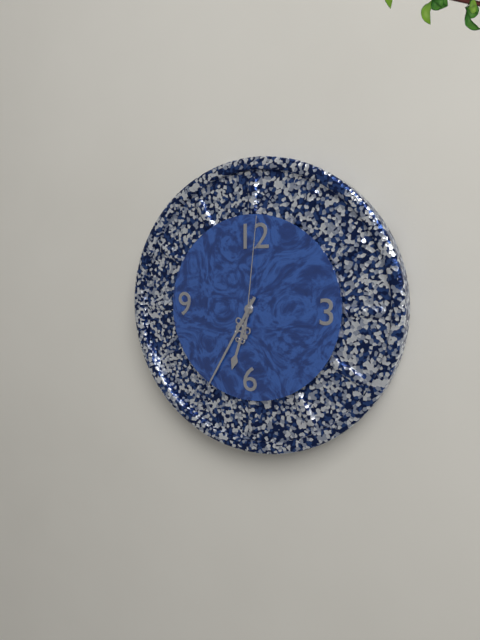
6:35:01
